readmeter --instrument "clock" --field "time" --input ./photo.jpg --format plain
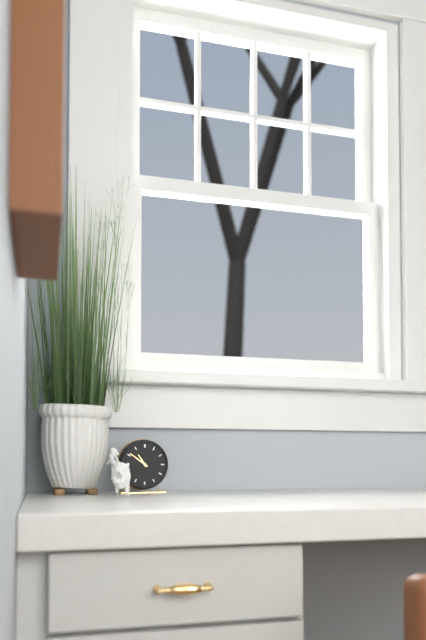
10:51
